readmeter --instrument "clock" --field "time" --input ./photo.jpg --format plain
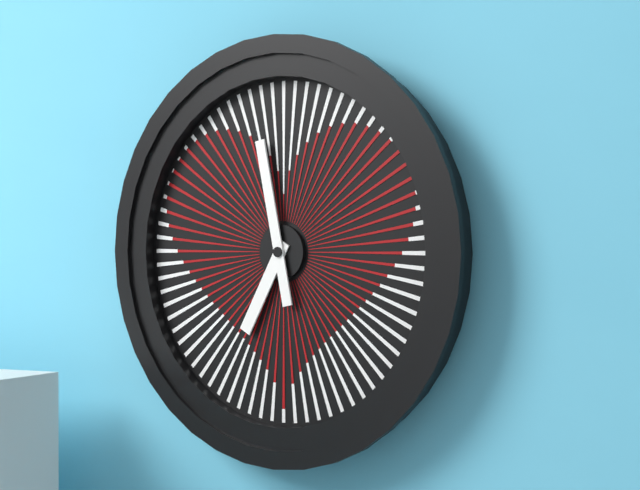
6:58
